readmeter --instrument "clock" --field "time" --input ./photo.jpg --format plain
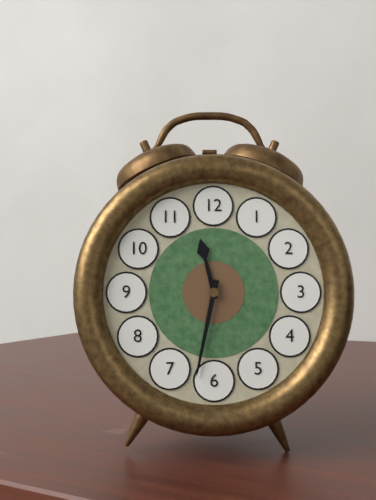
11:32
